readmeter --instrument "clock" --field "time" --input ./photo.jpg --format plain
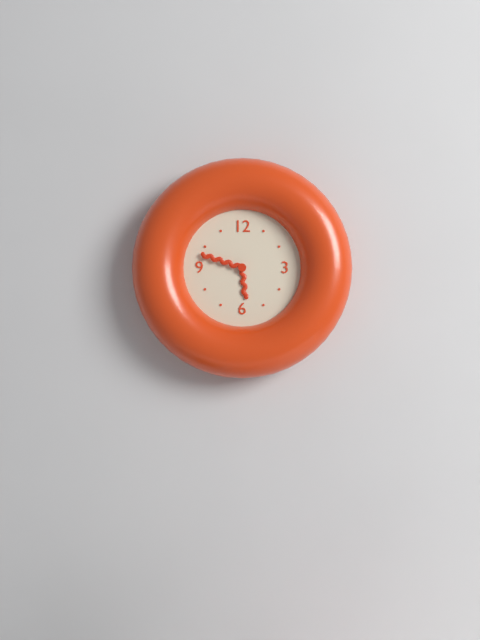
5:48
